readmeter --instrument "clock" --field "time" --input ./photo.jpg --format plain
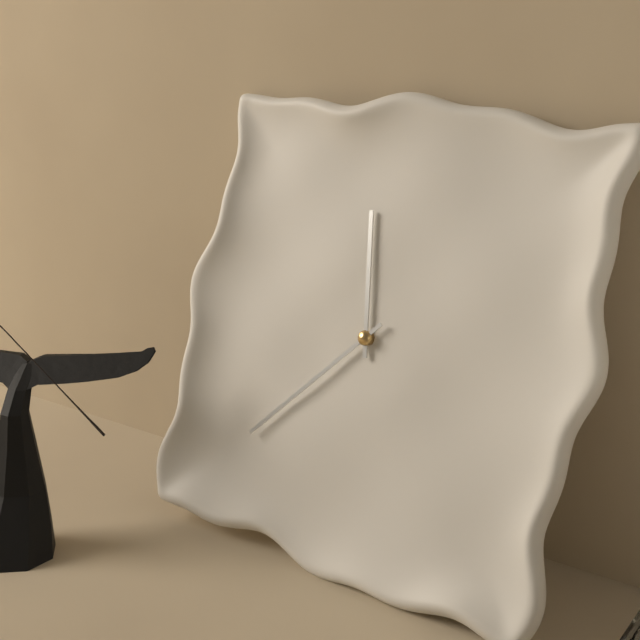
11:37
